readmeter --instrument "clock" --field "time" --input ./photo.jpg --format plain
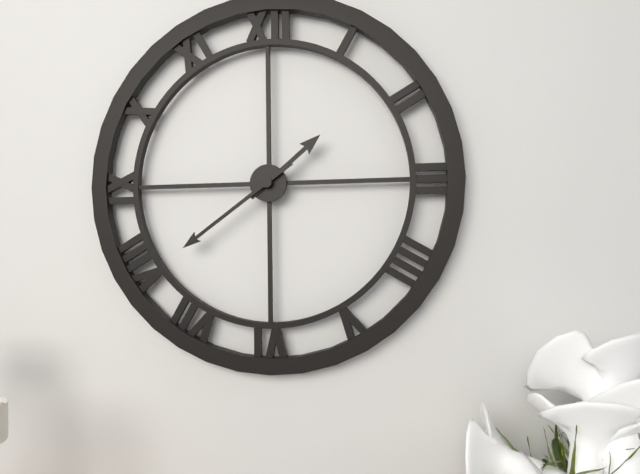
1:39
